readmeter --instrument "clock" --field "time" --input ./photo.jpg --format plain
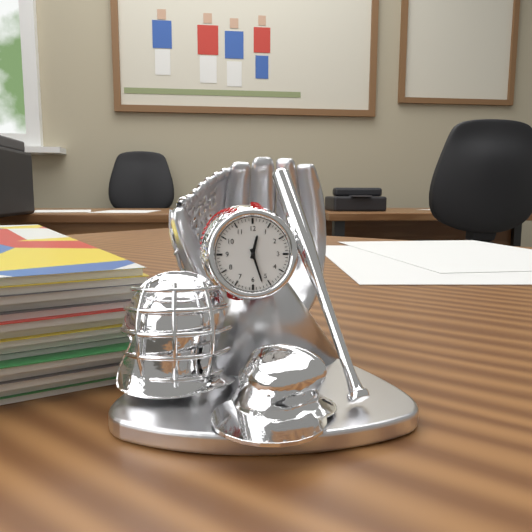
12:27
